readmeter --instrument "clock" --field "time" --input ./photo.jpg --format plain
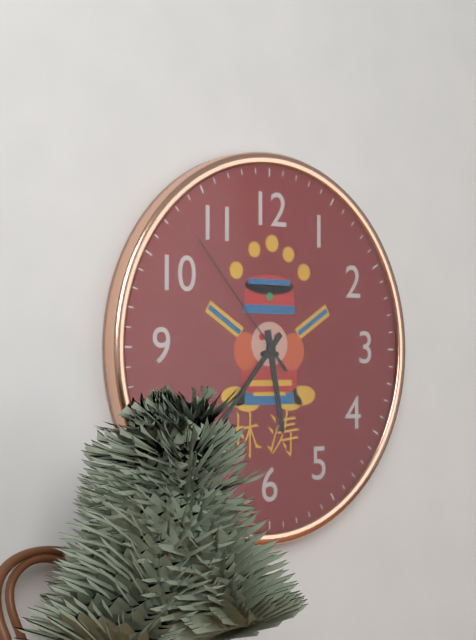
5:37:53
